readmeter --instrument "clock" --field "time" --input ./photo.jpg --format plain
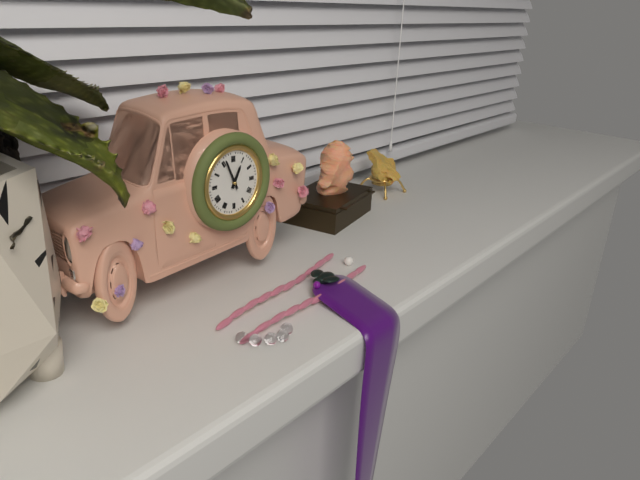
12:56
